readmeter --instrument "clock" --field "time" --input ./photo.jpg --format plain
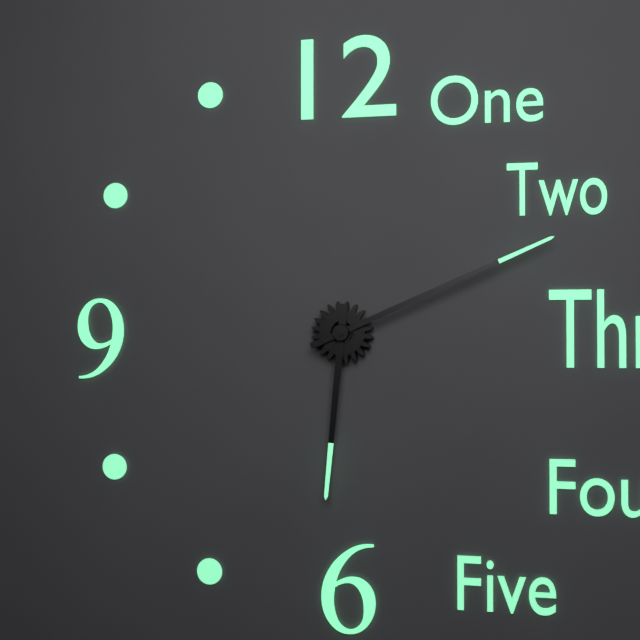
6:11
